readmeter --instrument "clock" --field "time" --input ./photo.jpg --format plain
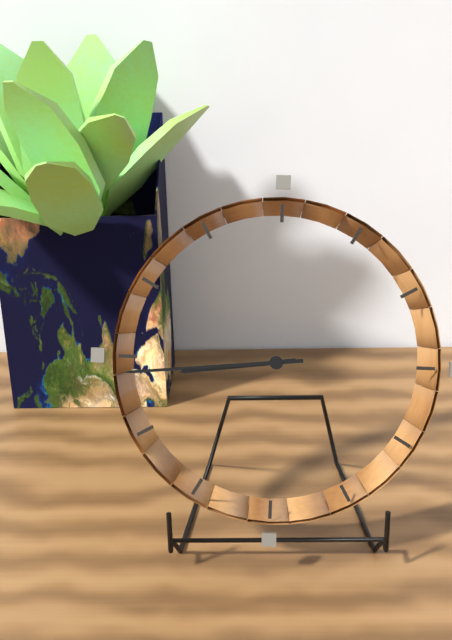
8:44
